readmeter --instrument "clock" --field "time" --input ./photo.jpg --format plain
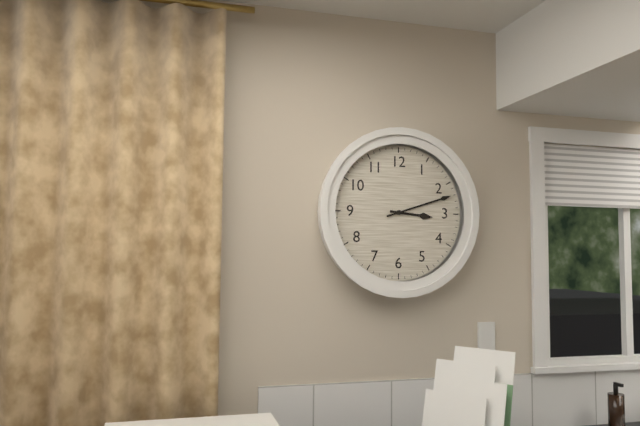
3:12
